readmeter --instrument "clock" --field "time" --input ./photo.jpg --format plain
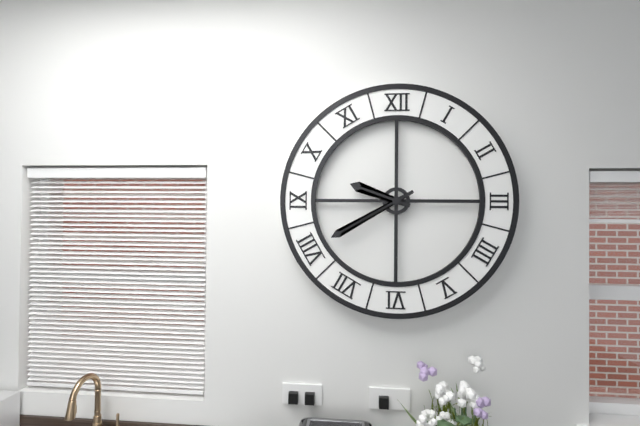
9:40
